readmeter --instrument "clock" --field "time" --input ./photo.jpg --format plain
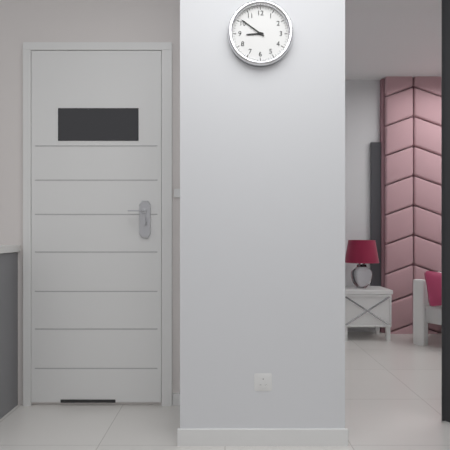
8:51
